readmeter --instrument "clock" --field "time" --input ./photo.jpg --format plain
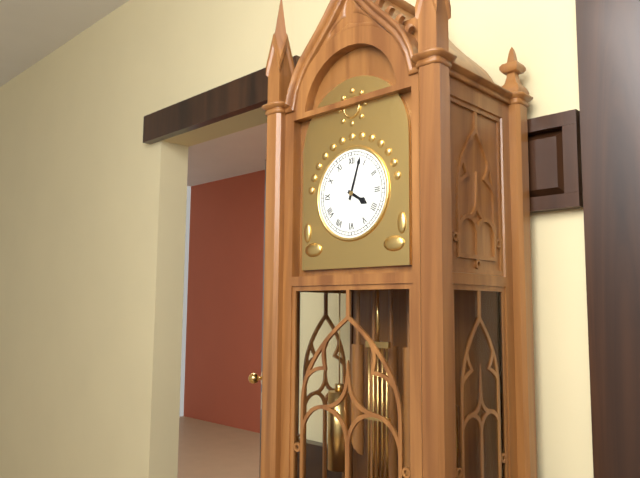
4:03
